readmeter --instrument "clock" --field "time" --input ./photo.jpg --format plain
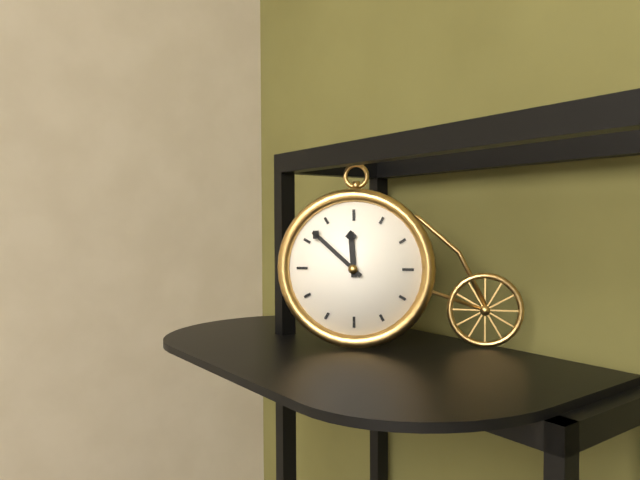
11:52
